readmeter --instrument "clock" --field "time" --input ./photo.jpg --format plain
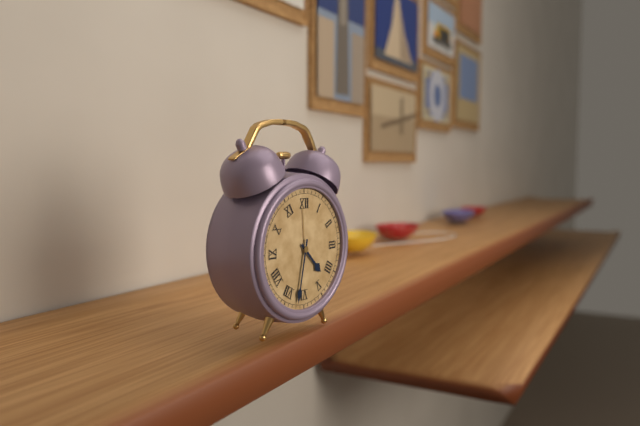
4:32
